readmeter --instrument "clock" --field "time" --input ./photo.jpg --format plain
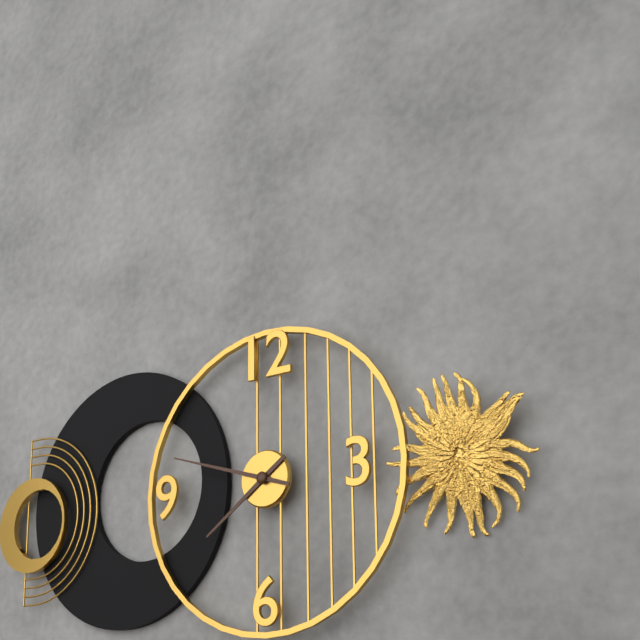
7:48
